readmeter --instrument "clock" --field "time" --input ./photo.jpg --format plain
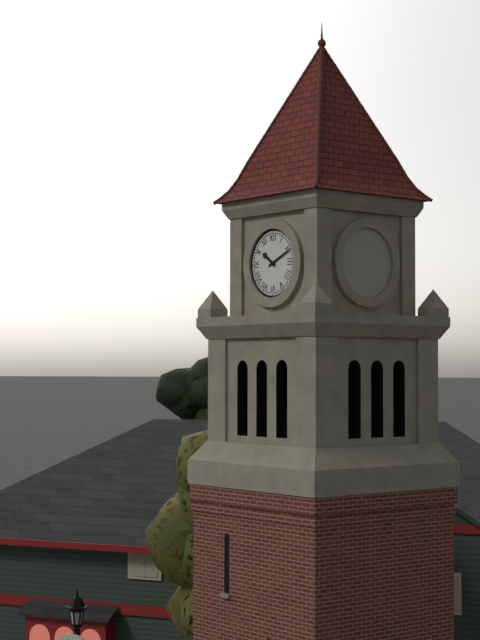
10:11
